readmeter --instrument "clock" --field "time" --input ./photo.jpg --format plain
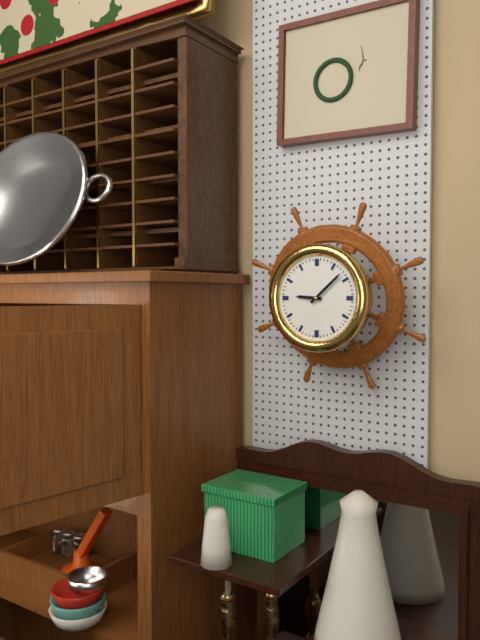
9:08
